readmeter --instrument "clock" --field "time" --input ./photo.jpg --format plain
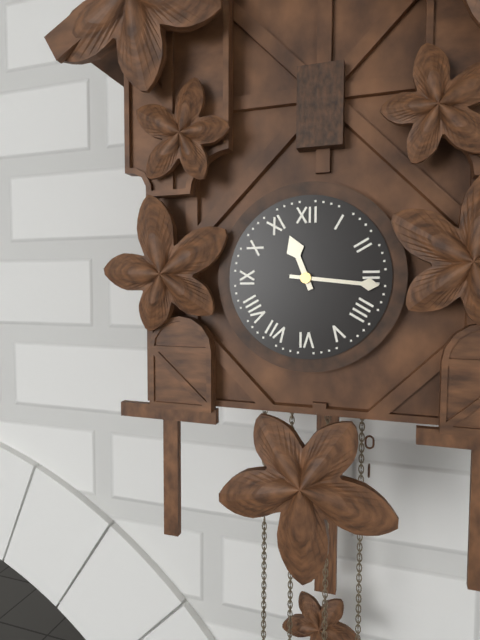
11:16
